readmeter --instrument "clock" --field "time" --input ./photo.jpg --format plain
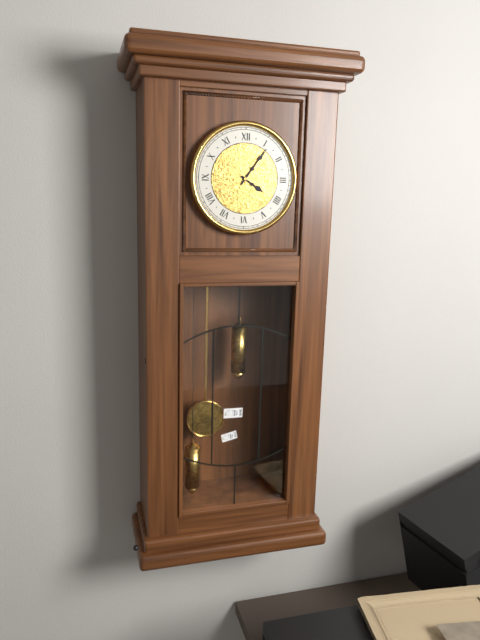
4:06
